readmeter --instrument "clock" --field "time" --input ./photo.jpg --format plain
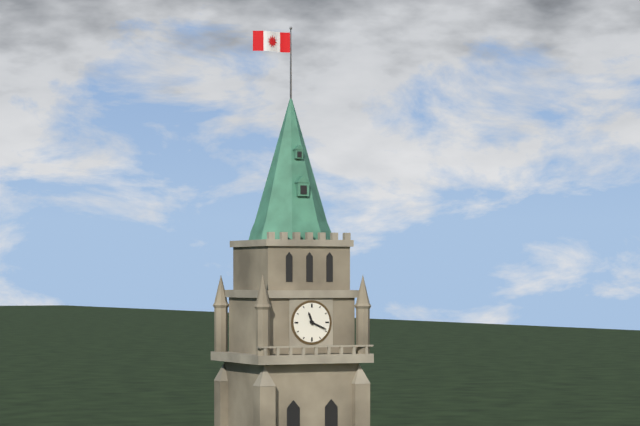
11:19
